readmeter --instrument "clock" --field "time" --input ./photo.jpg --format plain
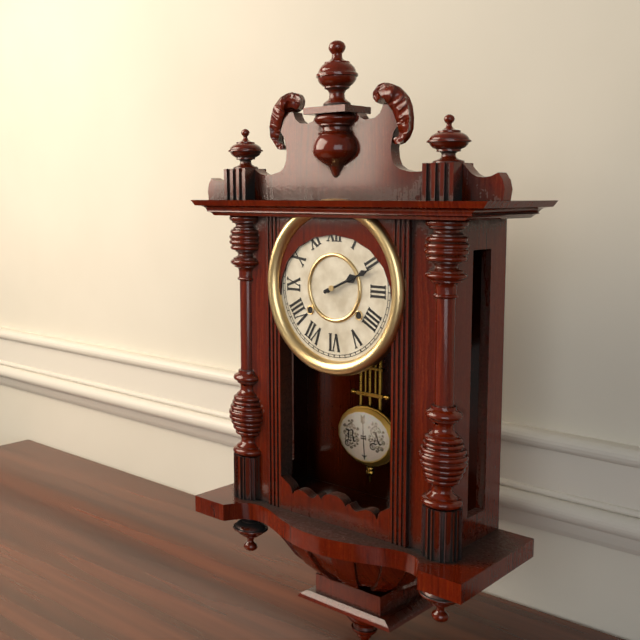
2:11
